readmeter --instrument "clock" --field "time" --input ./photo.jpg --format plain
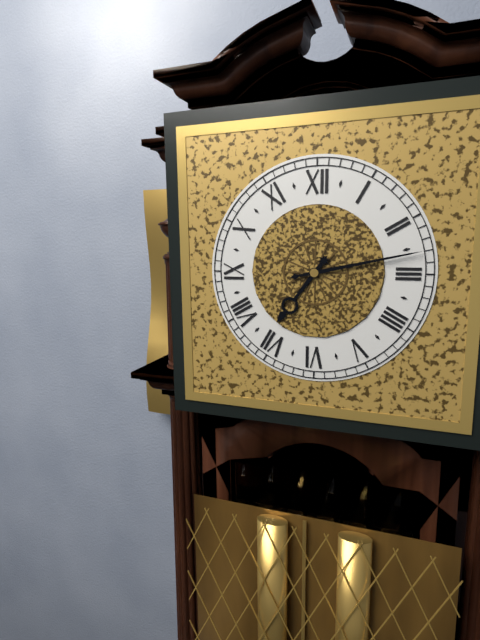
7:13
